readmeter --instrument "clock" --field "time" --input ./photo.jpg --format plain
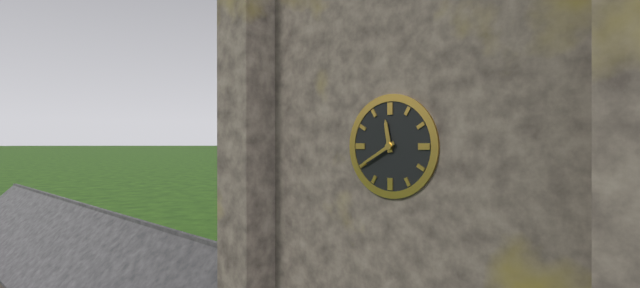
11:40
